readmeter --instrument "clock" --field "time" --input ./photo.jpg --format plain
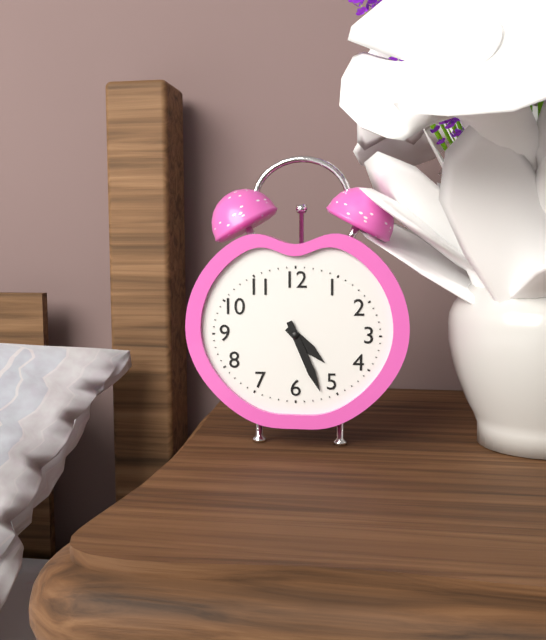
4:26
